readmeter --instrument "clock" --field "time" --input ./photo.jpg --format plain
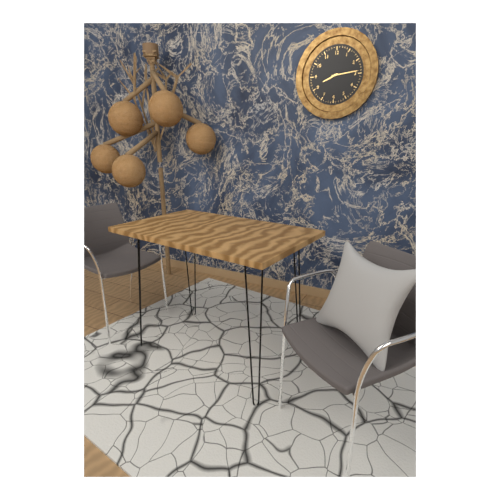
8:14
